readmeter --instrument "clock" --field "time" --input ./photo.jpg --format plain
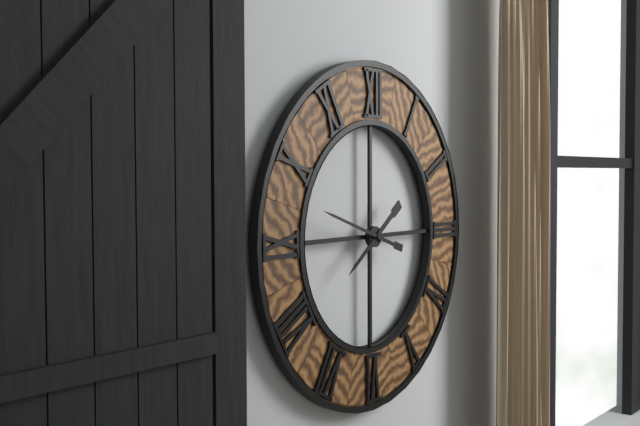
7:48
